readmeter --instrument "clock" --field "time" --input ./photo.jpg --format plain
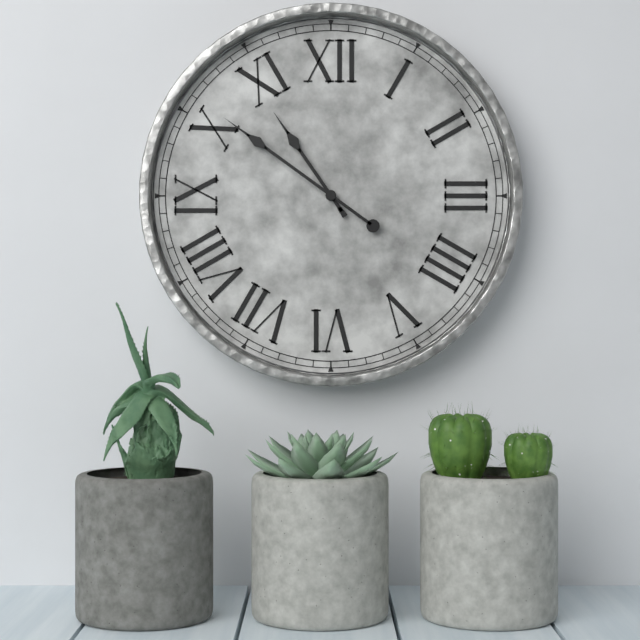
10:51
